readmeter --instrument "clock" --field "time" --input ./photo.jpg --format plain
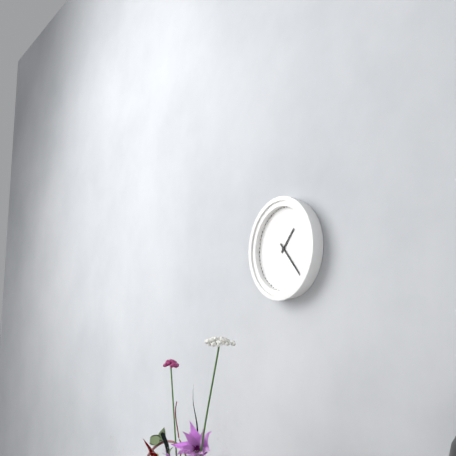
1:23
